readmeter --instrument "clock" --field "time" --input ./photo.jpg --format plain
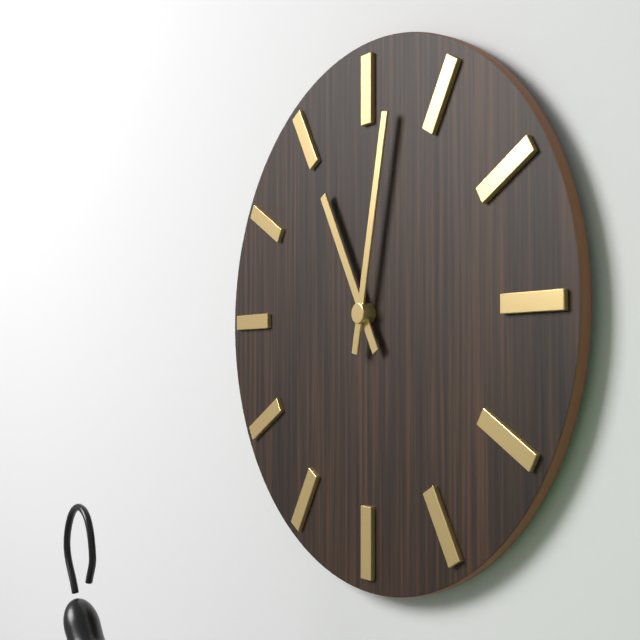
11:02
